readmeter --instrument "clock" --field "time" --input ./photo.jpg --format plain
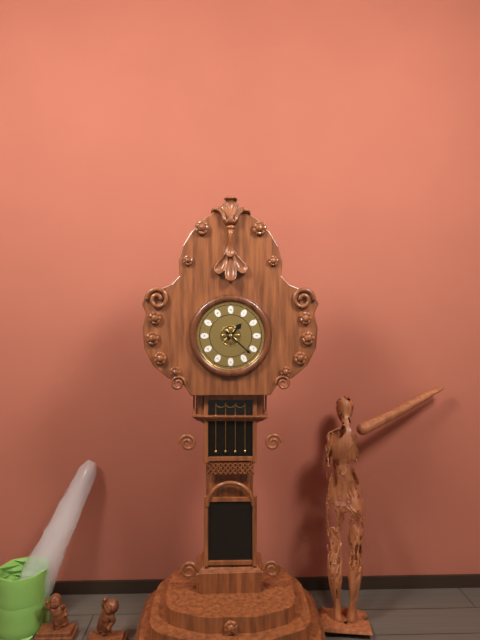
1:22
